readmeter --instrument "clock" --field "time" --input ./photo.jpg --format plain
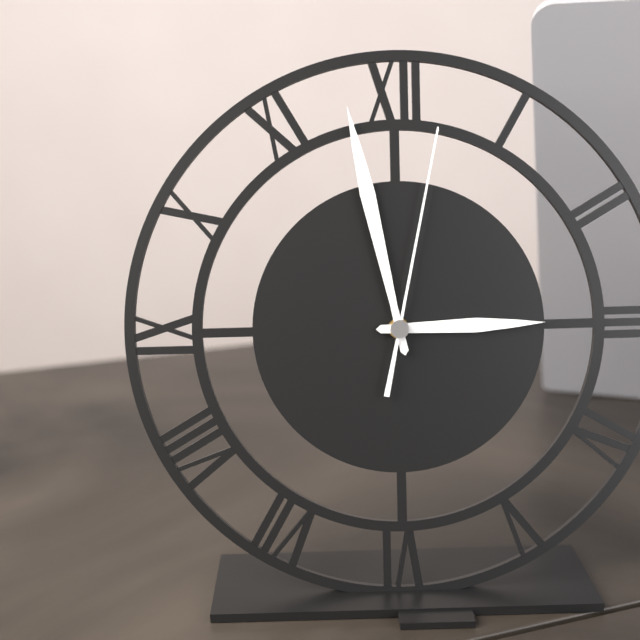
2:58:02
